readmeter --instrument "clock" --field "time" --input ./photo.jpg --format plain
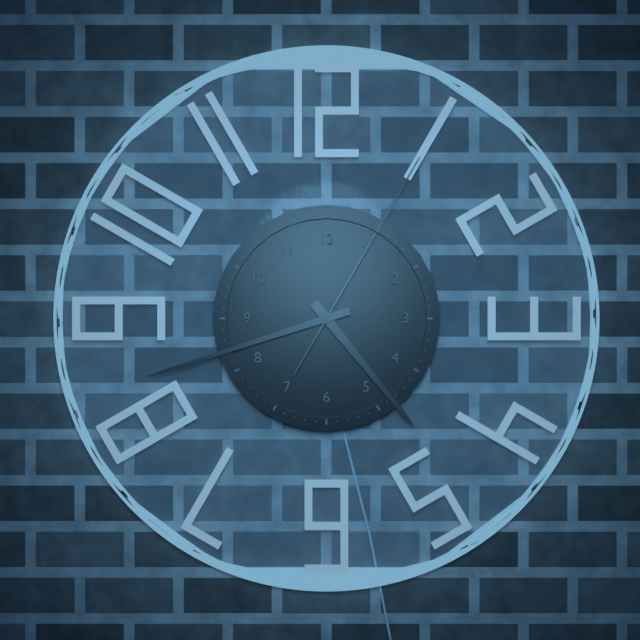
4:42:05
